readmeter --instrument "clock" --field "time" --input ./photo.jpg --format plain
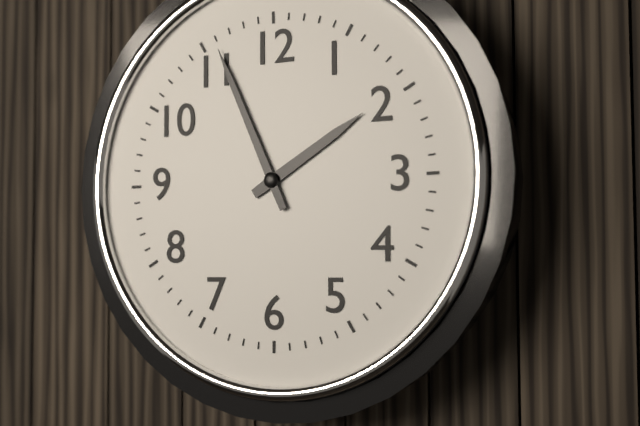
1:56
